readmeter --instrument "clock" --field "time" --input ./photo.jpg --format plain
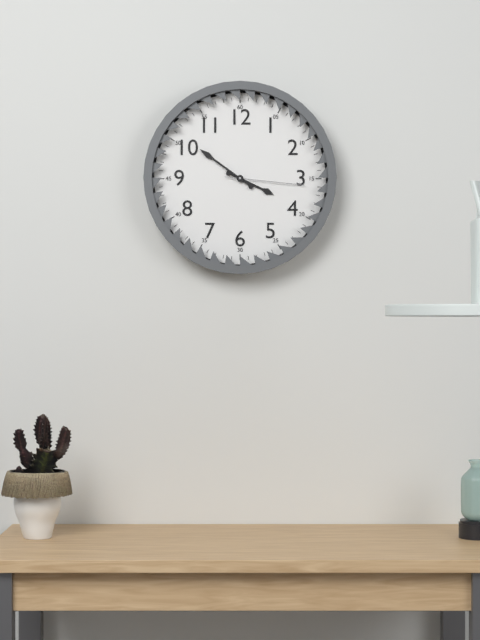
3:51:16
